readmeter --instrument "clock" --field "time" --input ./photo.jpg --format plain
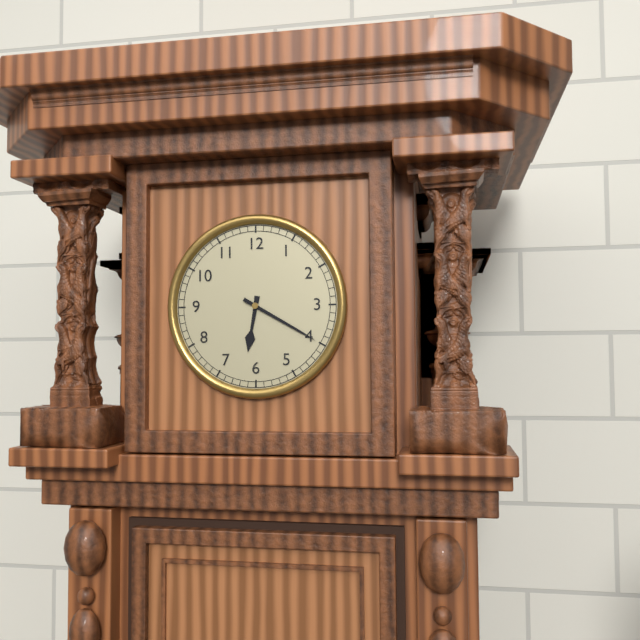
6:20
